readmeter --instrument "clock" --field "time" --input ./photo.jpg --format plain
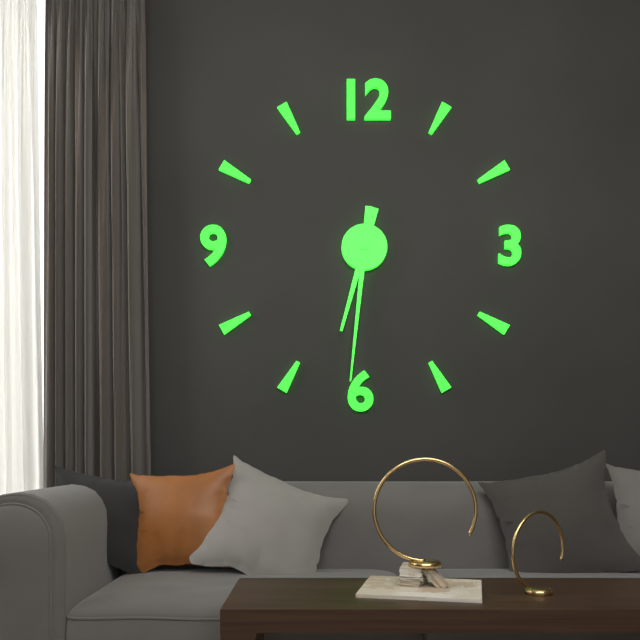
6:31
